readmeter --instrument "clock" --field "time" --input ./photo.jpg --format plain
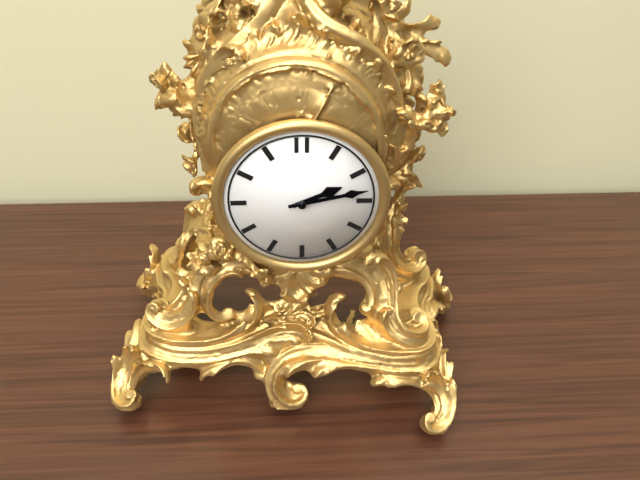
2:13
